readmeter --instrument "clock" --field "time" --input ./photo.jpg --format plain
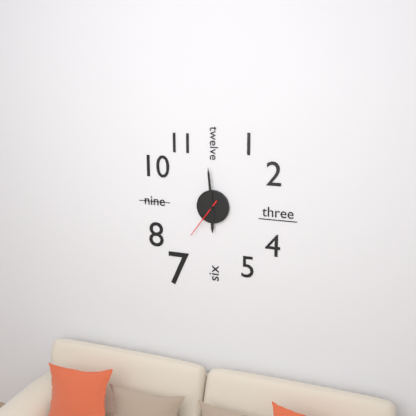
5:59
